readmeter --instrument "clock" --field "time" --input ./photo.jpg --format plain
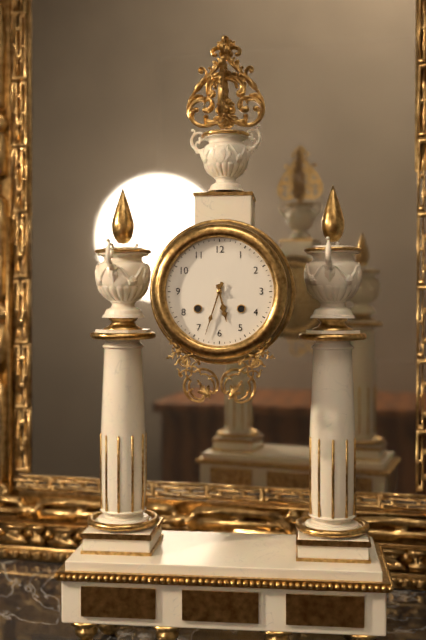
5:33
